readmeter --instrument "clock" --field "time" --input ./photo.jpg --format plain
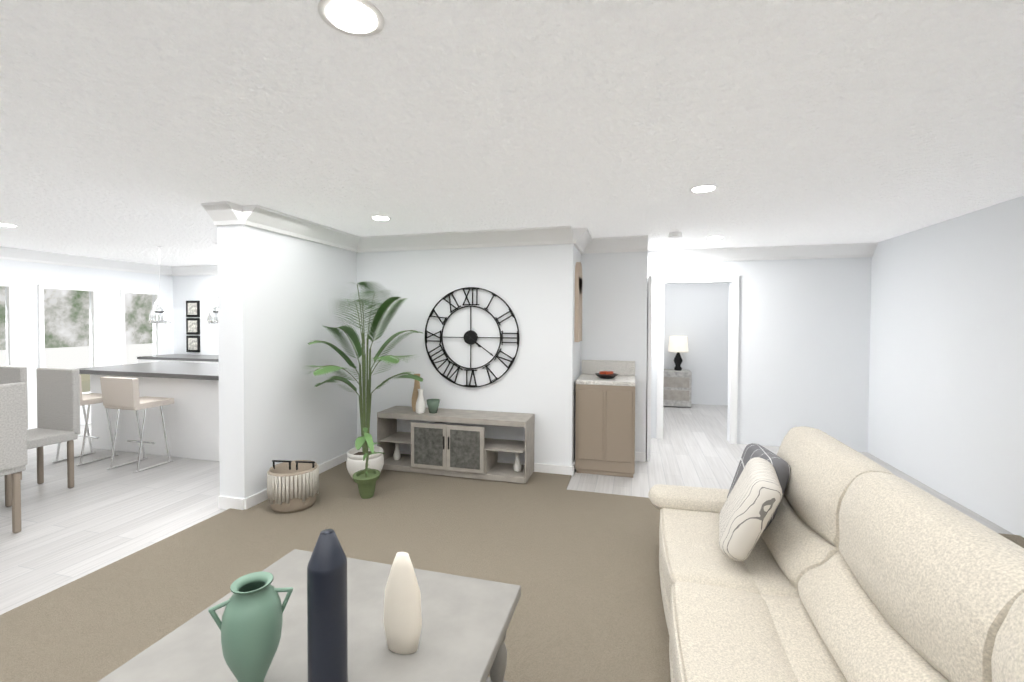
4:21
